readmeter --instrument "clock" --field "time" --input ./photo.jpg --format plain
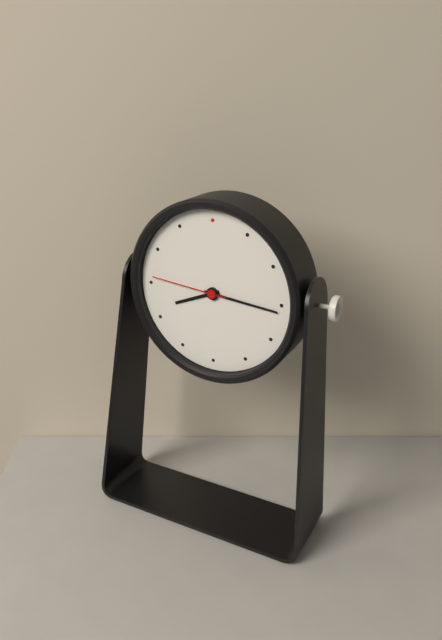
8:16:46
